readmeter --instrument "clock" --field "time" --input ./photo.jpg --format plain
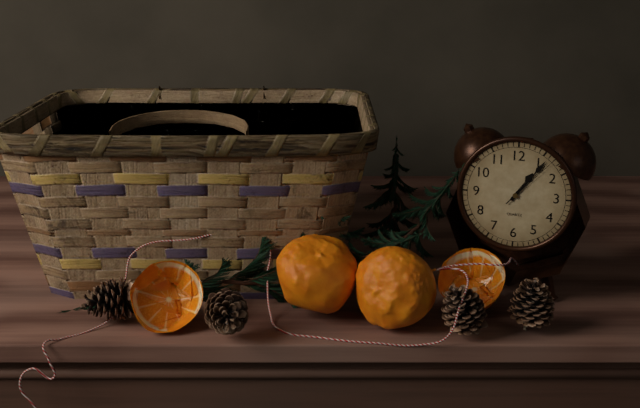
1:06:07
